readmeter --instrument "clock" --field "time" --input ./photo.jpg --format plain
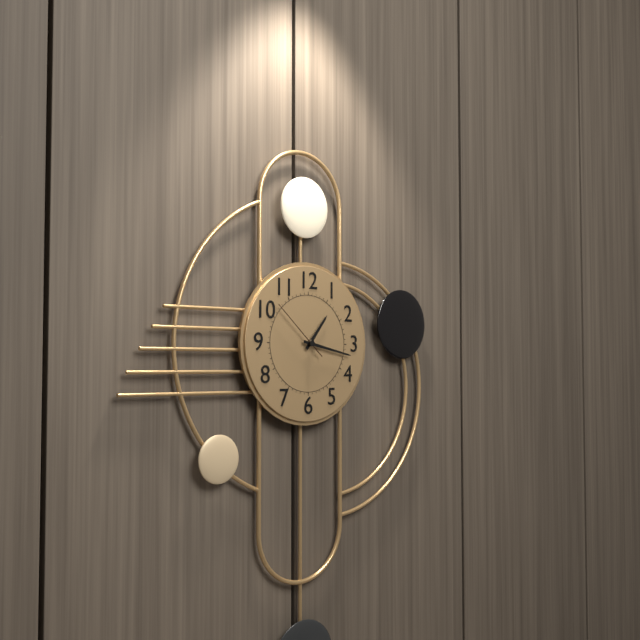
1:17:52
